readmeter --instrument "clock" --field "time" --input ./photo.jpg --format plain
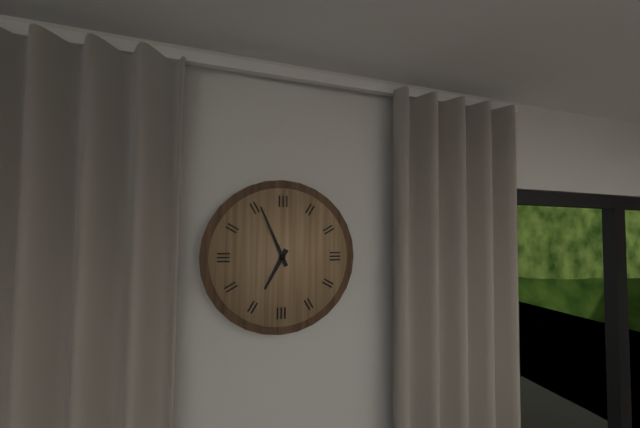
6:56
